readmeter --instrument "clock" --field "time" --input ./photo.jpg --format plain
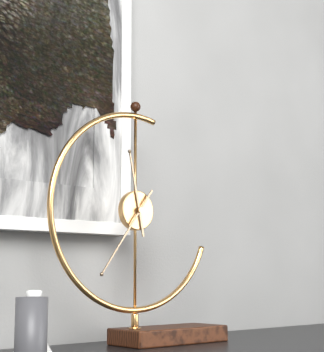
11:36
